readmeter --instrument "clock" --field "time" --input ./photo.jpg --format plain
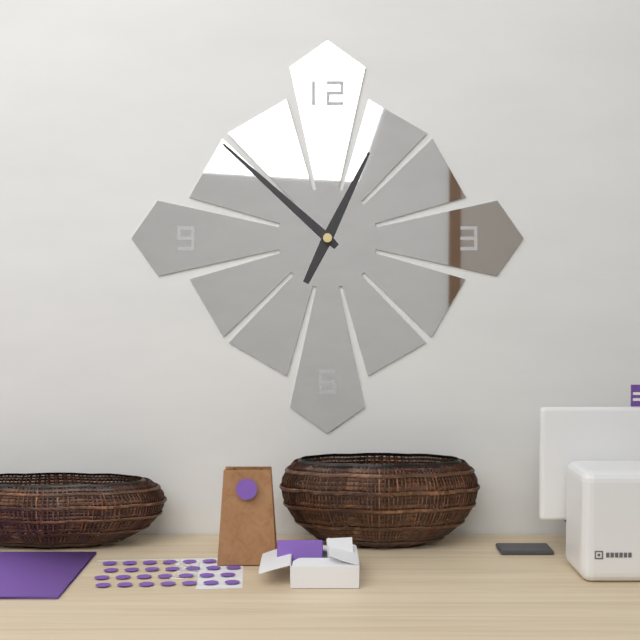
12:52
